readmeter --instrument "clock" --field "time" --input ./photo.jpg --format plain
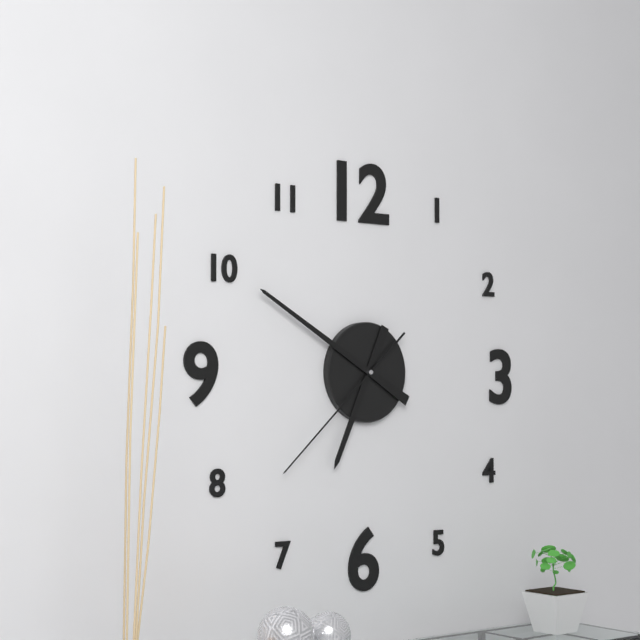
6:50:38
